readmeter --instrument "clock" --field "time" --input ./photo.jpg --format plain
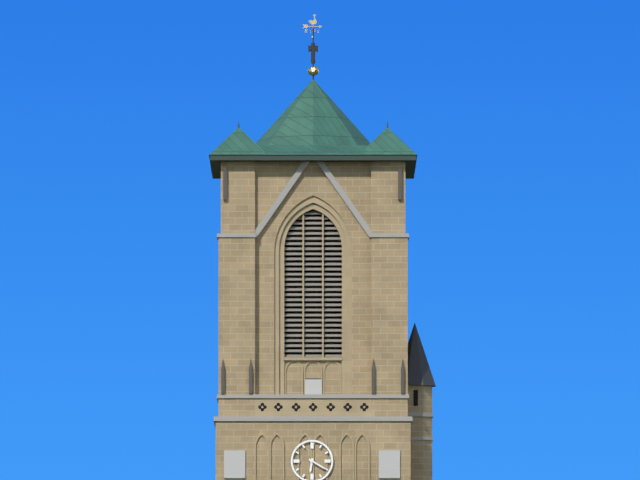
6:20
